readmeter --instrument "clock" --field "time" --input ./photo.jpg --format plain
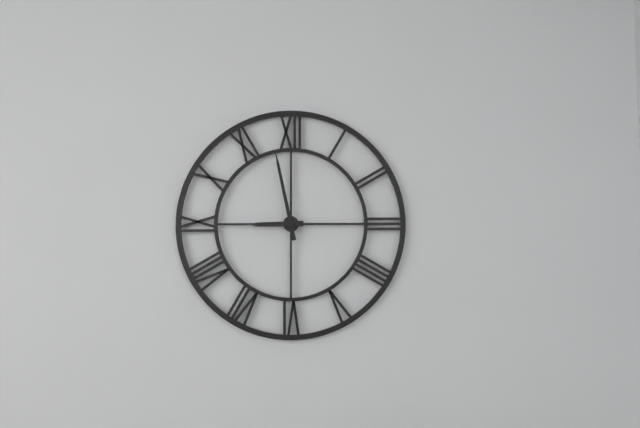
8:58
